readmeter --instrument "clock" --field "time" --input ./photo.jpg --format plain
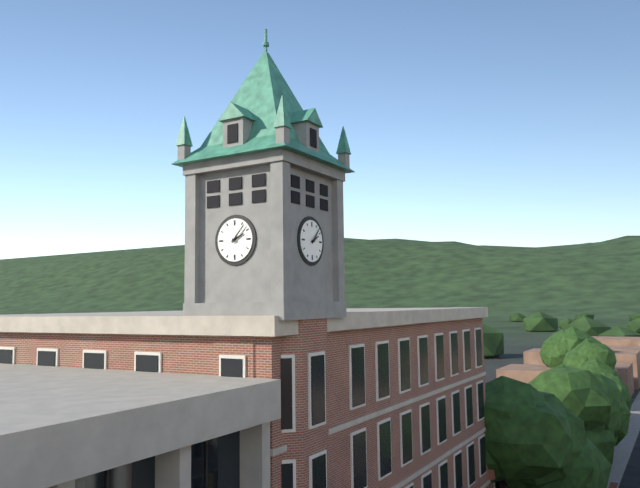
2:07
